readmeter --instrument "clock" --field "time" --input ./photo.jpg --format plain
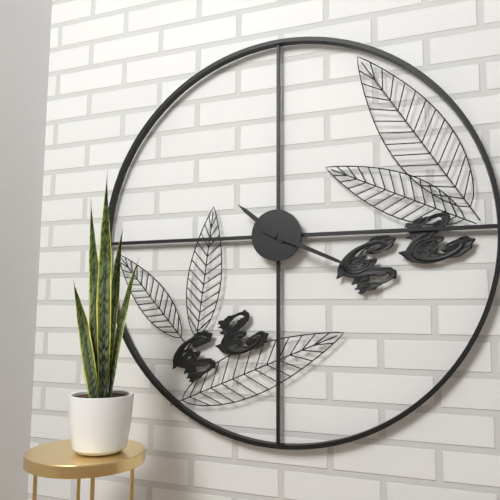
10:19
